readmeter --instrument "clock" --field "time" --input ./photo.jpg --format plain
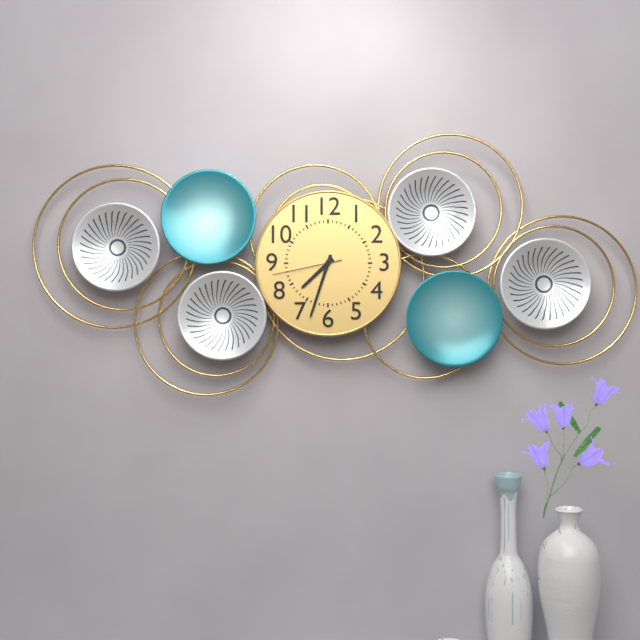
7:33:43
